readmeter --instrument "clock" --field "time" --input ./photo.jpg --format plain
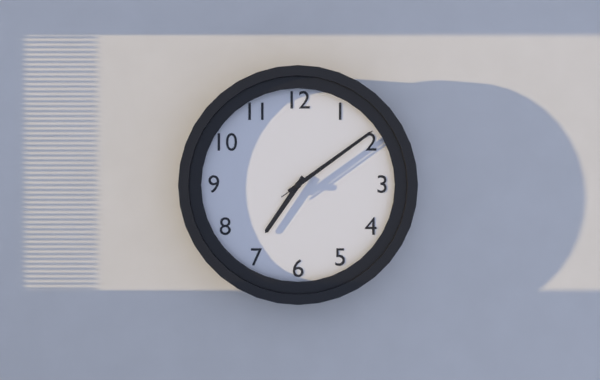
7:09:09
